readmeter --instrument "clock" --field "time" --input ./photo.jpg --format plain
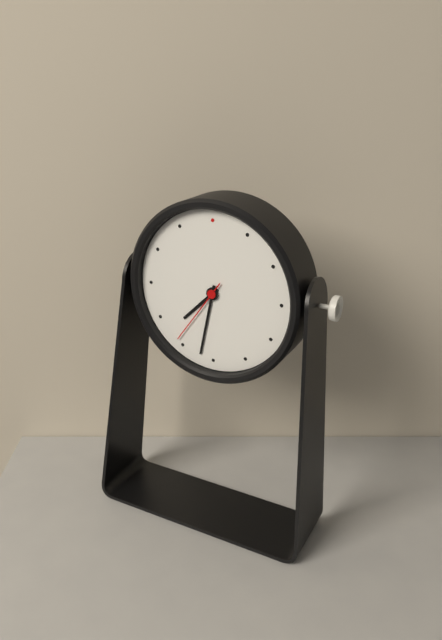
7:32:36
